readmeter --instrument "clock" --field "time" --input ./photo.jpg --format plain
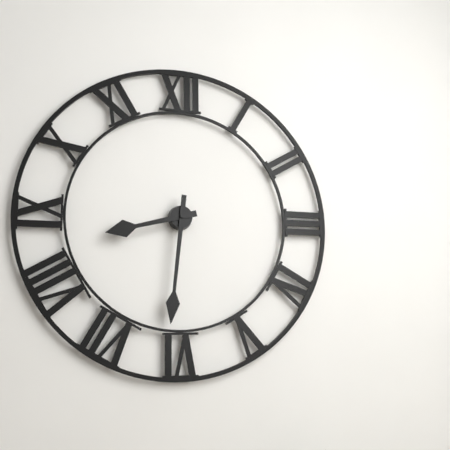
8:31
